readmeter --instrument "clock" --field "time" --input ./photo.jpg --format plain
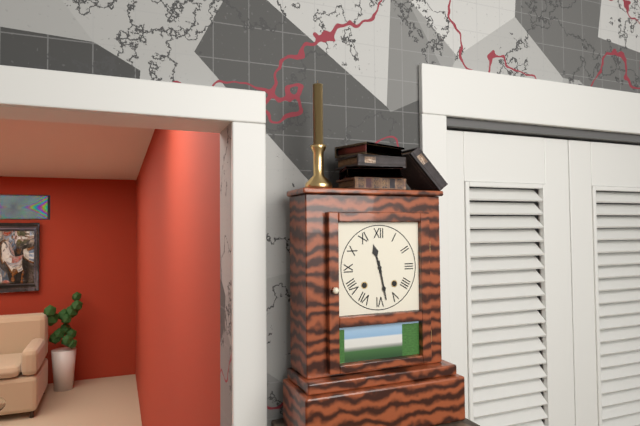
11:28
